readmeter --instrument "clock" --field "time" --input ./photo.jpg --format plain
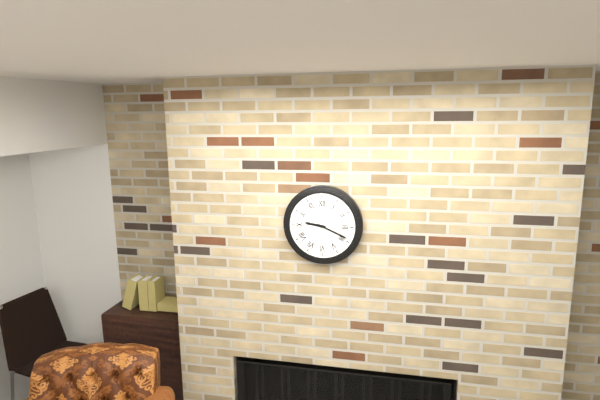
9:19
